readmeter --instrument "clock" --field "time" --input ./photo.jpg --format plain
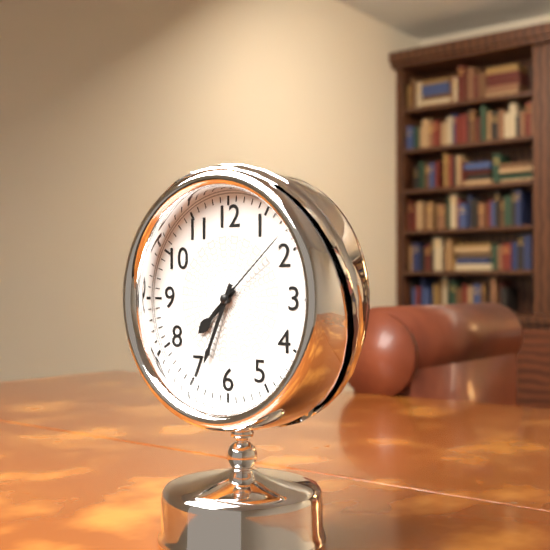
7:34:08
